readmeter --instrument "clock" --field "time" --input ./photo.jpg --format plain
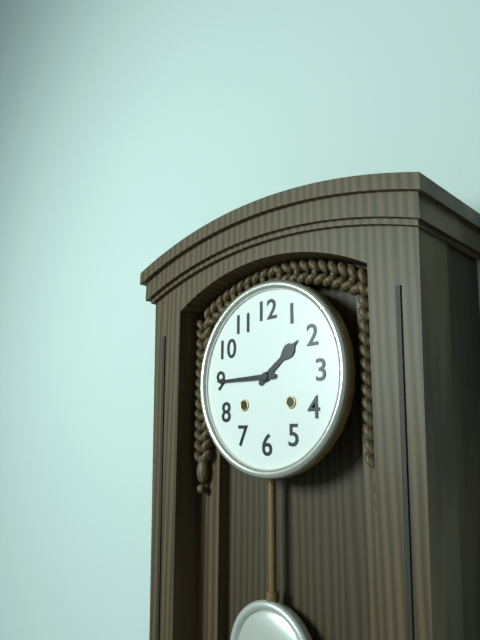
1:45
